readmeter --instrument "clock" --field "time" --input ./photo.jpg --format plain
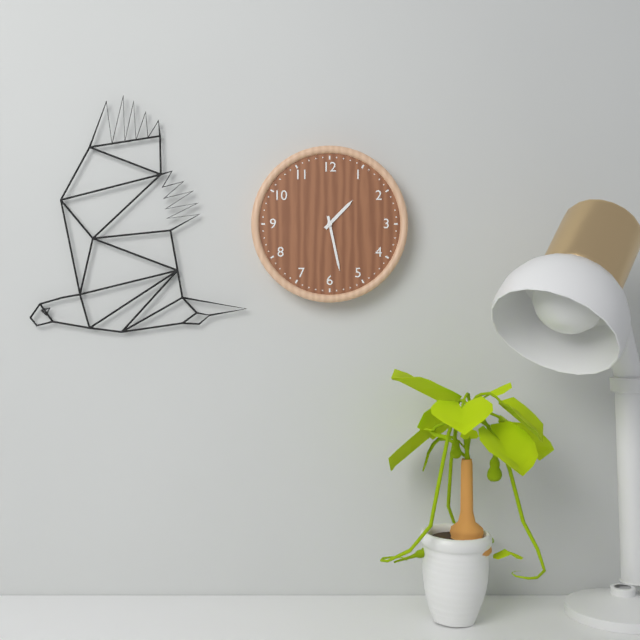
1:28
